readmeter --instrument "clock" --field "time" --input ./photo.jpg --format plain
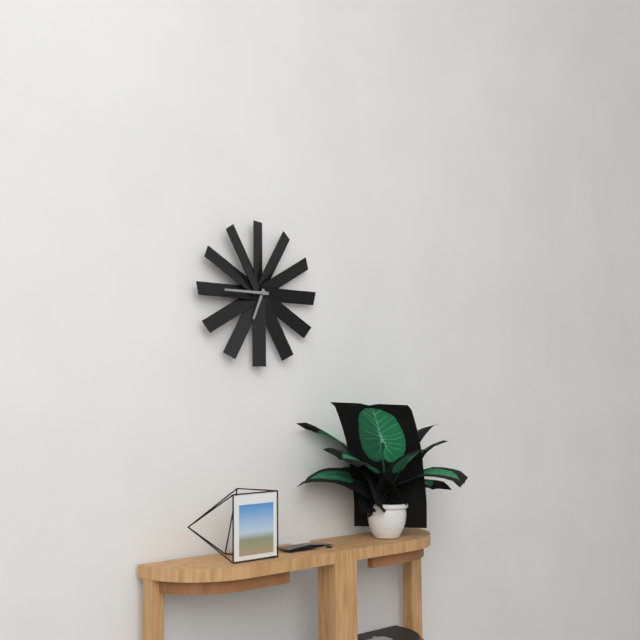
6:45
